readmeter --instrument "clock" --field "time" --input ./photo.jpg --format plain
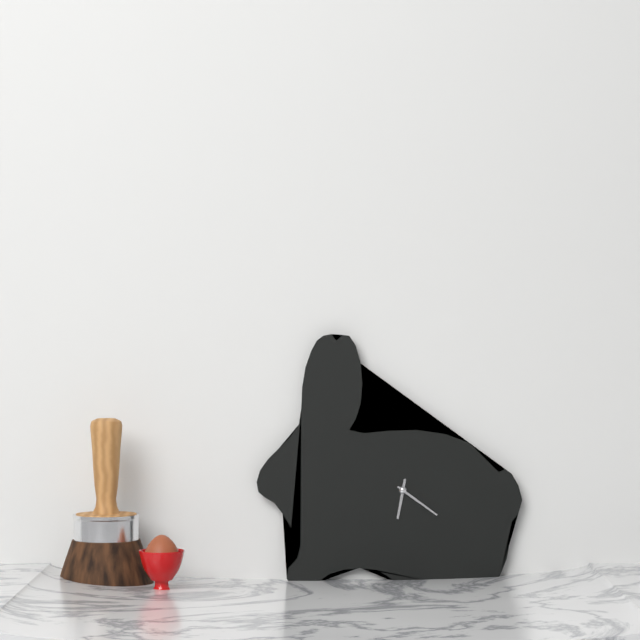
6:21
